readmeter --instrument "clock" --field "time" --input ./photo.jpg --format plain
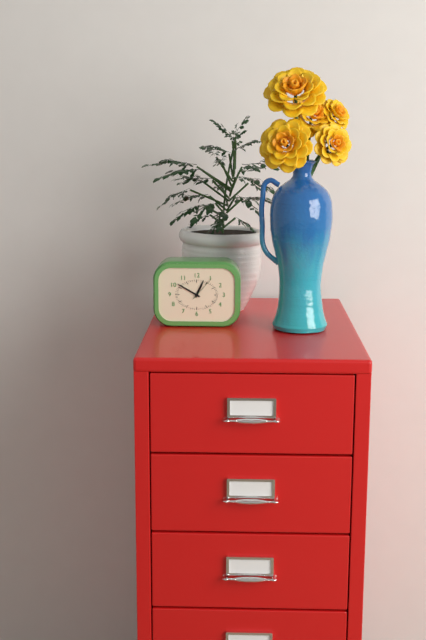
12:50
